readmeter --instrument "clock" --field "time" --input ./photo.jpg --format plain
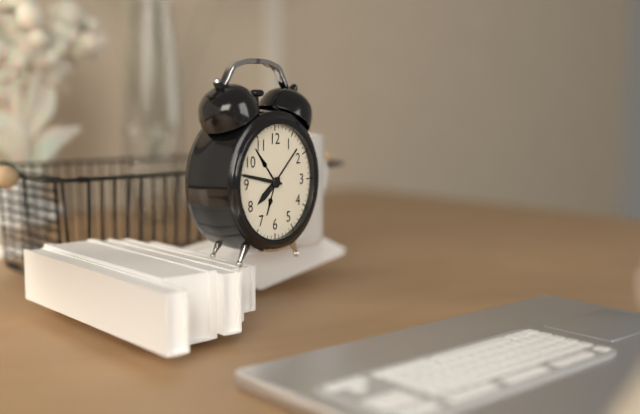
7:47
